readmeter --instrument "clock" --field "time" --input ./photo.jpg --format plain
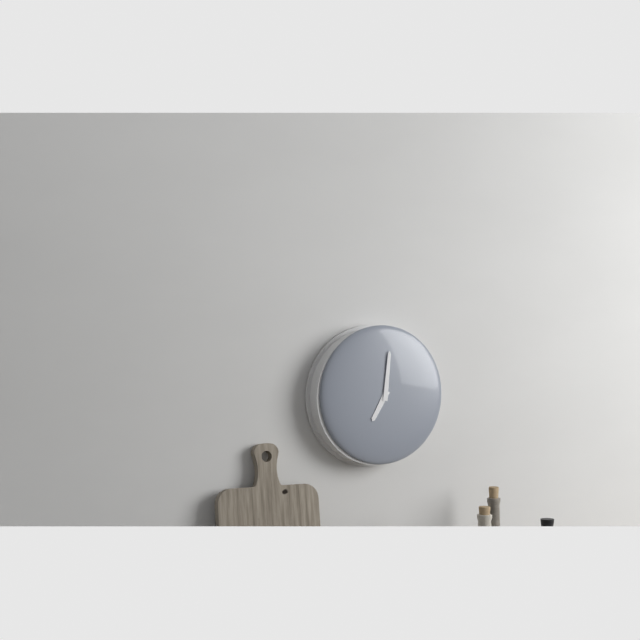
7:01
